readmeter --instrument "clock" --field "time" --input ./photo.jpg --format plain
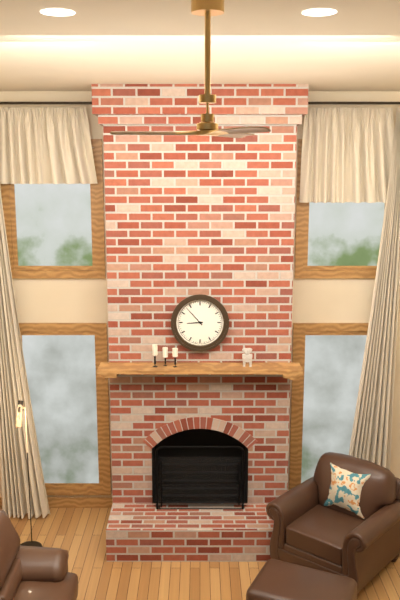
8:53
